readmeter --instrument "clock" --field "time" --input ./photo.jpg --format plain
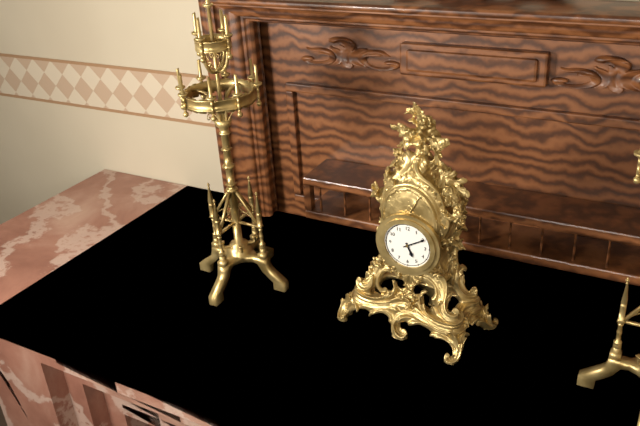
5:10
